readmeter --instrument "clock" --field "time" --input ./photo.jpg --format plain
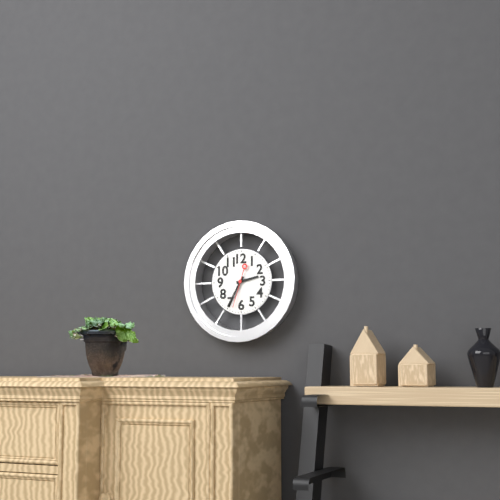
2:35
